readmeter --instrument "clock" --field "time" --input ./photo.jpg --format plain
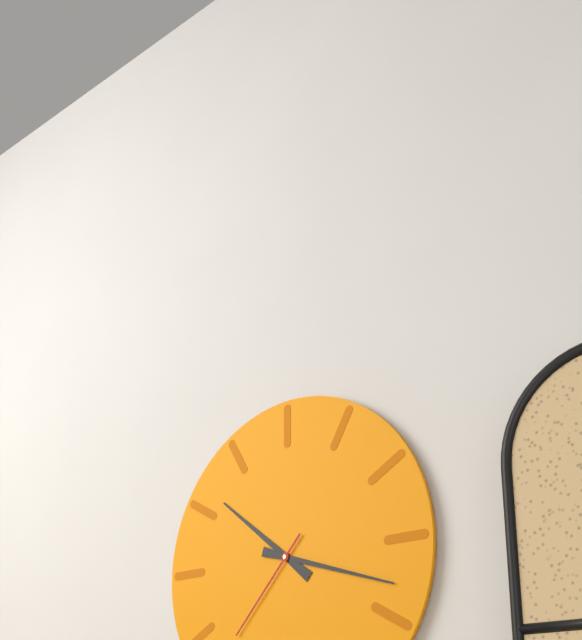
10:18:37
